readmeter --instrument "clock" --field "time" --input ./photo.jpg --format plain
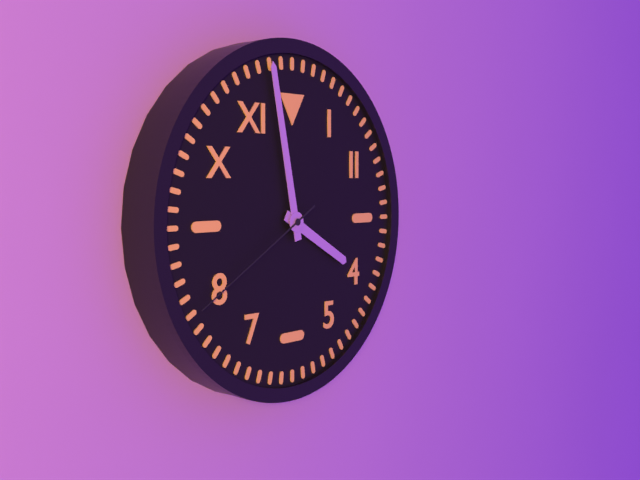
3:58:40
